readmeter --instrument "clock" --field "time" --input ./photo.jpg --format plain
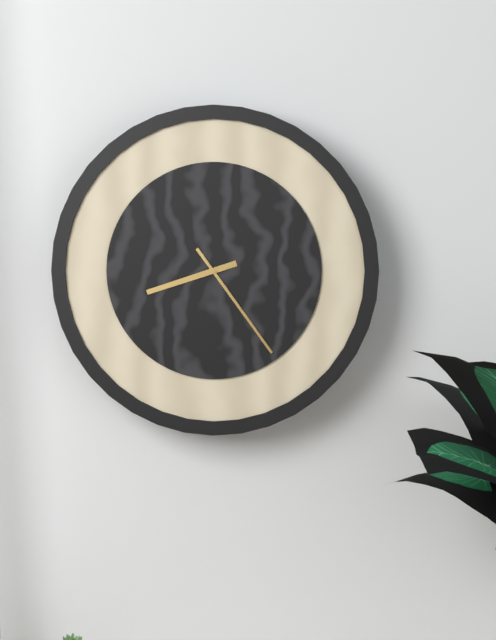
8:24
